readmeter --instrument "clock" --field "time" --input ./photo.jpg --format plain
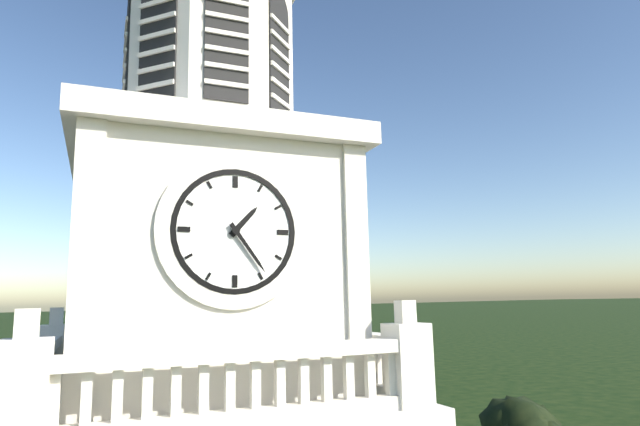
1:24
